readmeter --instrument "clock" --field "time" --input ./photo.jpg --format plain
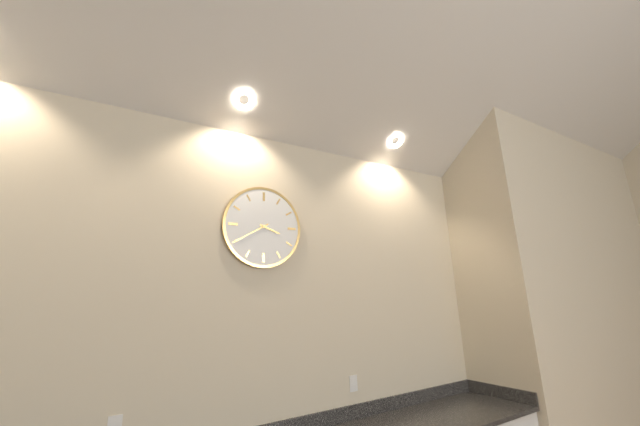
3:40
